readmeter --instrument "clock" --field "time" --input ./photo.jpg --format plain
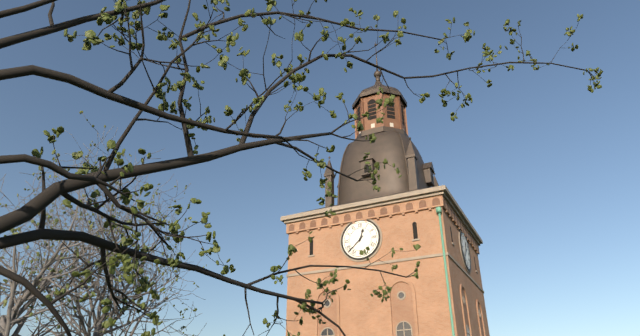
12:38
